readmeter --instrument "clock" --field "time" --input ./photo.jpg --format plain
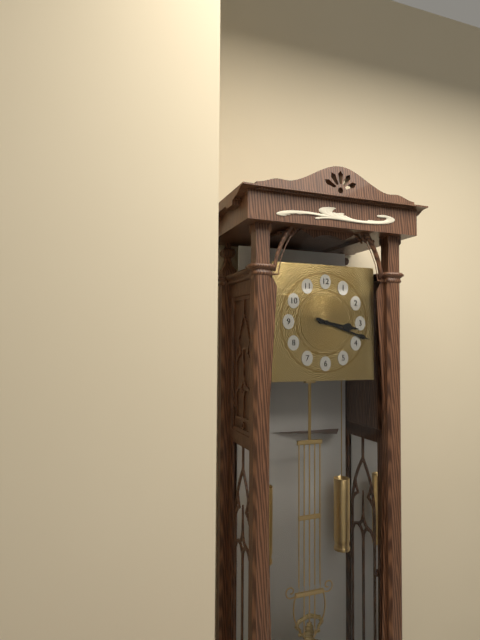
3:18
